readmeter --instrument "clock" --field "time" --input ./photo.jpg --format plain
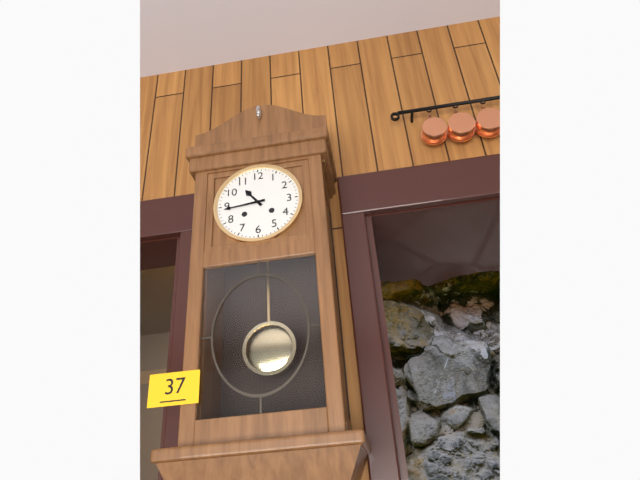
10:44
